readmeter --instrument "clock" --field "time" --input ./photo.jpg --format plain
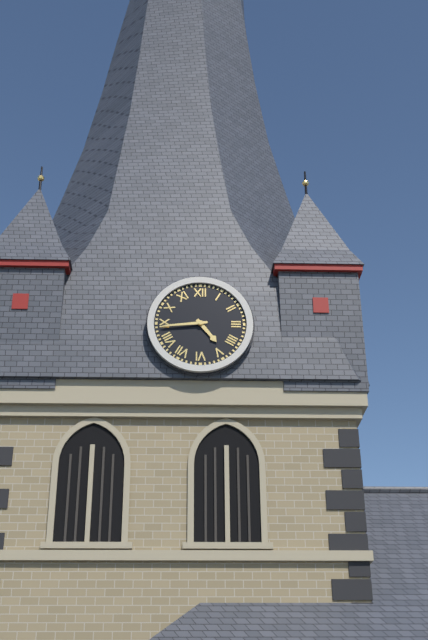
4:44
